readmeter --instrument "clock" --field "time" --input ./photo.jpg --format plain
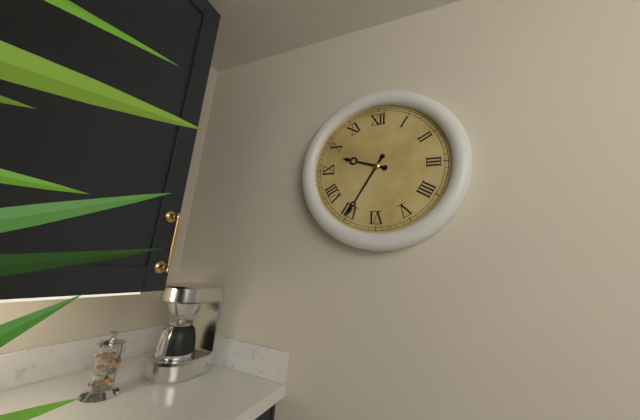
9:35
